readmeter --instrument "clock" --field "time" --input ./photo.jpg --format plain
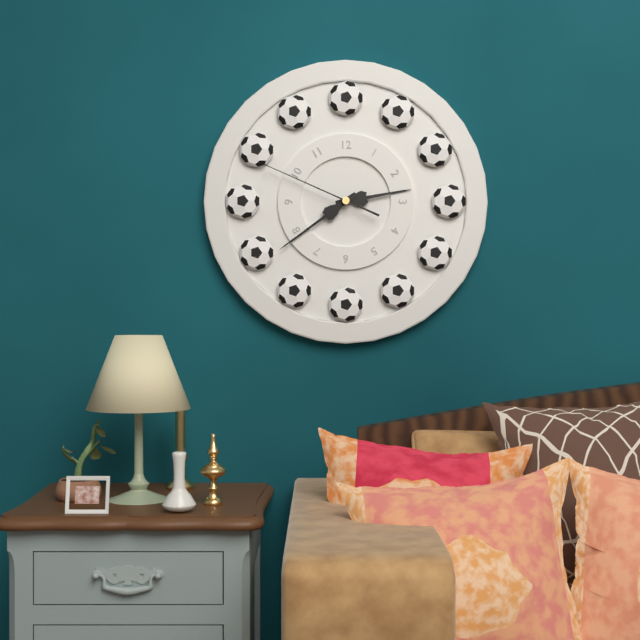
2:39:49
